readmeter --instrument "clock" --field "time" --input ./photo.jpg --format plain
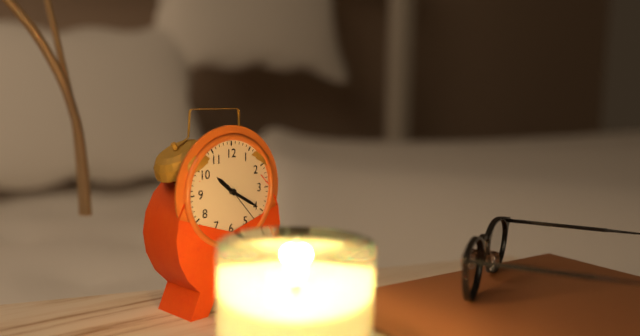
10:20
